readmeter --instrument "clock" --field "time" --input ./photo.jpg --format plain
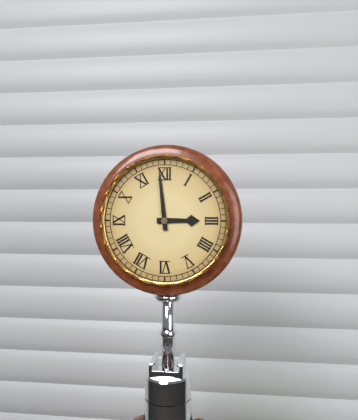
2:59
